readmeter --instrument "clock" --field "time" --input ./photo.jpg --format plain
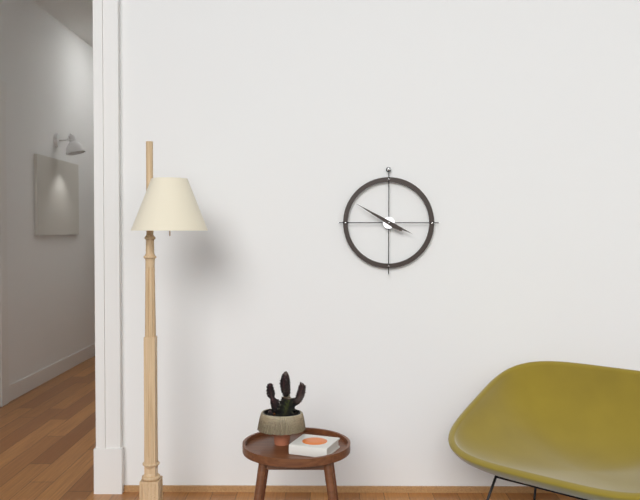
3:50
